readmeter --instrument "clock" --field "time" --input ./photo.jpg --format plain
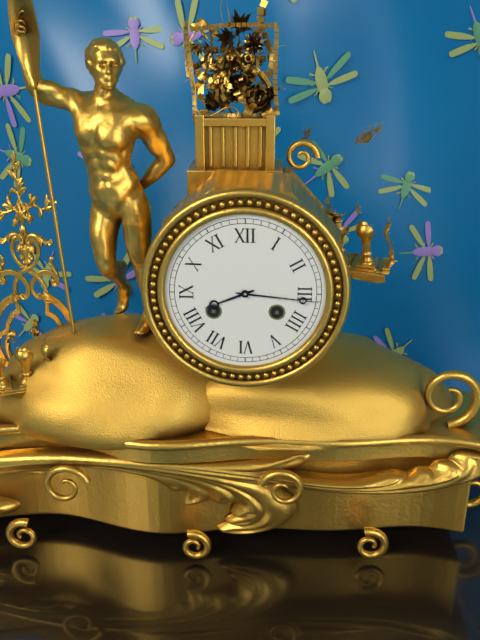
8:16
